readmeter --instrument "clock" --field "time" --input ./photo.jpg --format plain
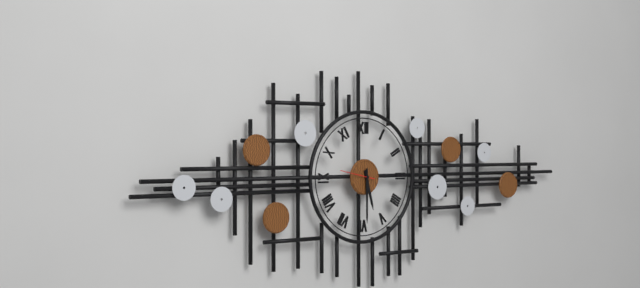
5:30
